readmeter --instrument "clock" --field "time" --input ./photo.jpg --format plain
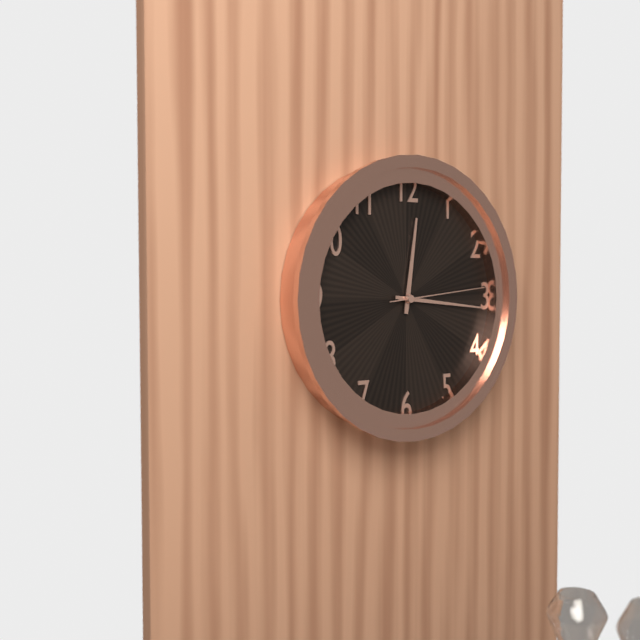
12:16:14
